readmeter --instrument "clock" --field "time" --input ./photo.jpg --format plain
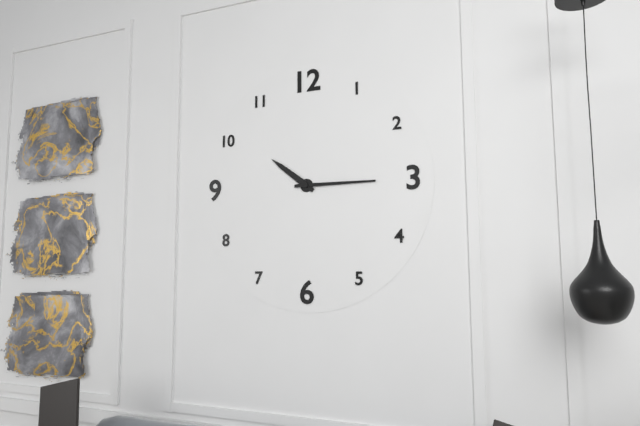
10:15
